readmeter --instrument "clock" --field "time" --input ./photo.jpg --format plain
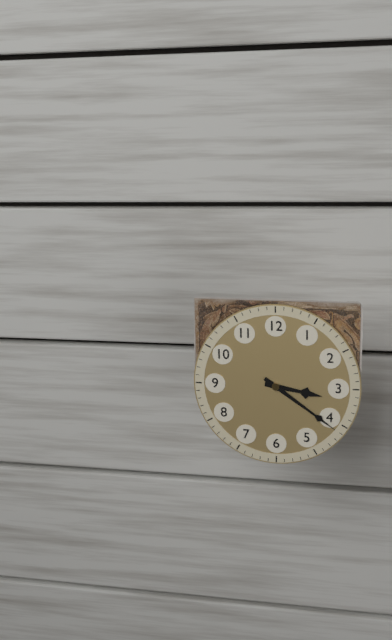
3:21
